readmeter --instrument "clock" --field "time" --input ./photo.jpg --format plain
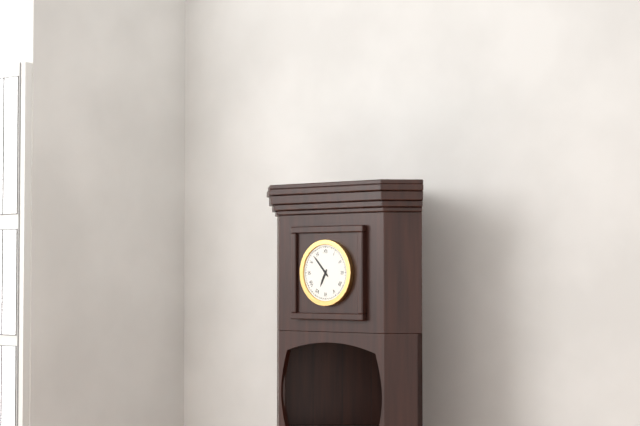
6:53
